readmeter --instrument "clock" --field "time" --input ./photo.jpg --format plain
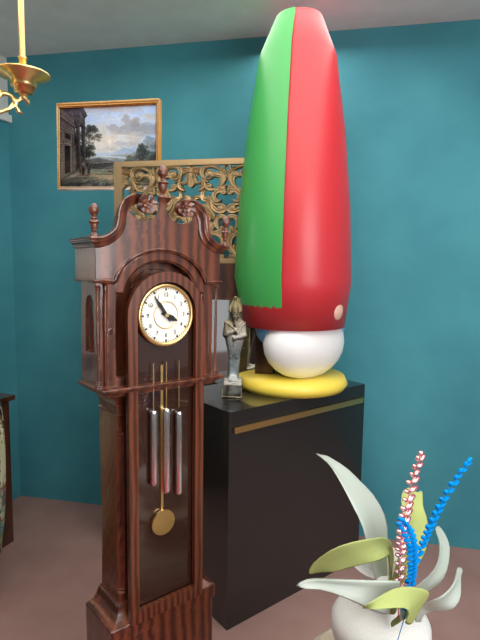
3:54
